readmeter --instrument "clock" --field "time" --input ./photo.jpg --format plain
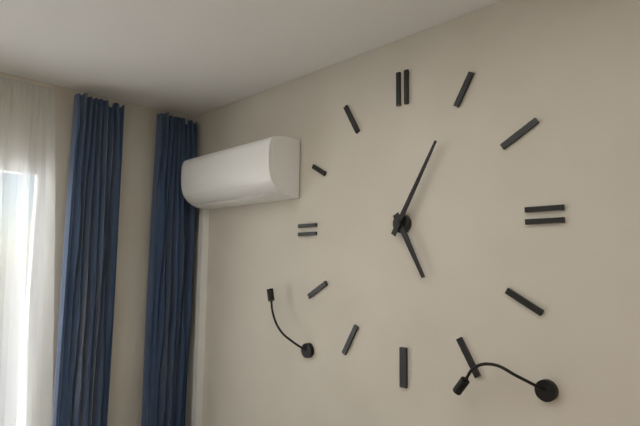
5:05
